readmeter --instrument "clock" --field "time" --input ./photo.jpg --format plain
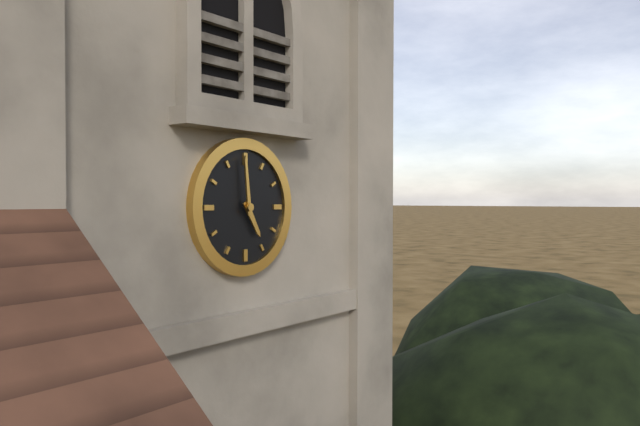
4:59
